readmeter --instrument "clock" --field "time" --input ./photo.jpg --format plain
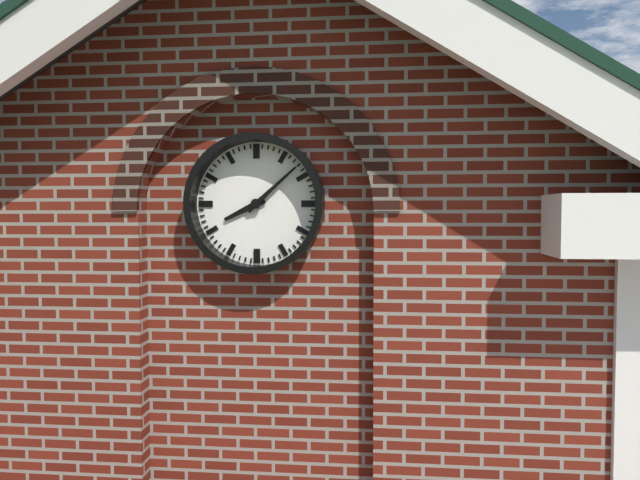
8:08
